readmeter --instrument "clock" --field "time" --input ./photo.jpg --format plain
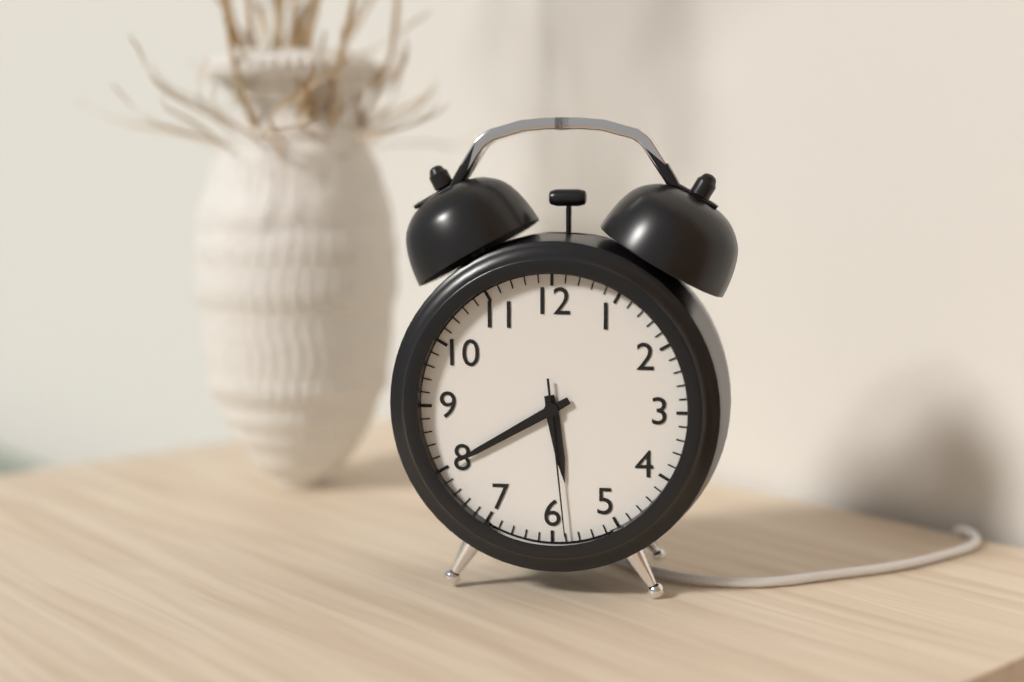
5:40:29
